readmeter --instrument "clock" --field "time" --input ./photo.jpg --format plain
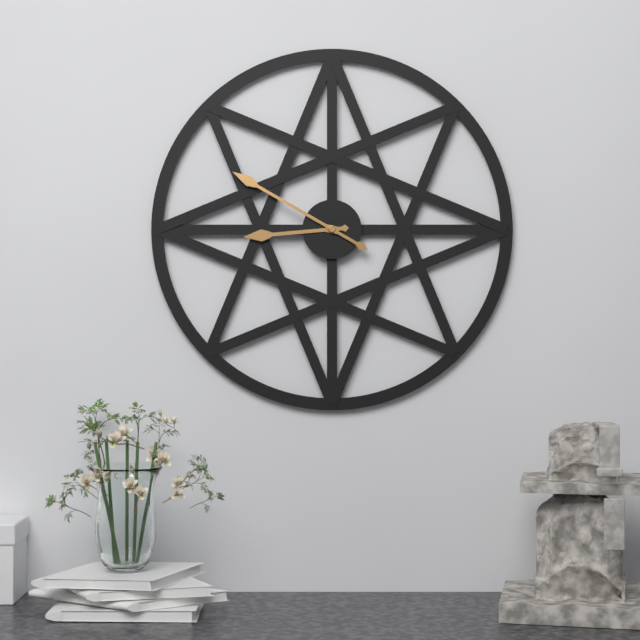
8:50
